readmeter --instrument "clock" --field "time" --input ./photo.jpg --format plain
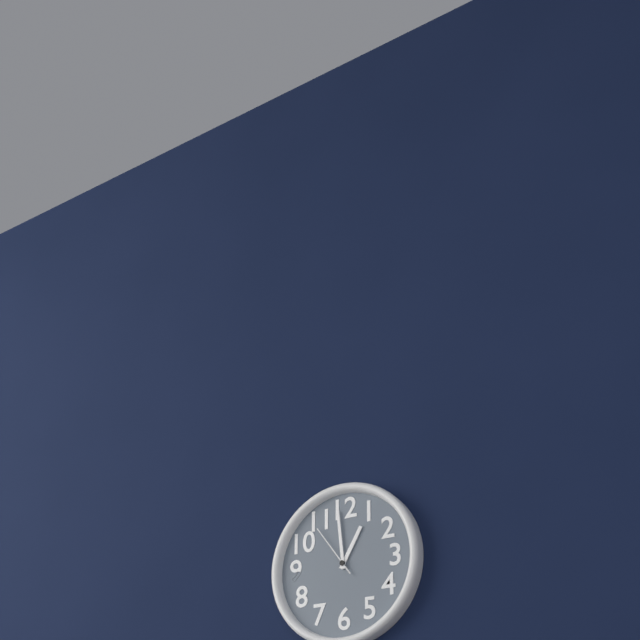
12:59:54
